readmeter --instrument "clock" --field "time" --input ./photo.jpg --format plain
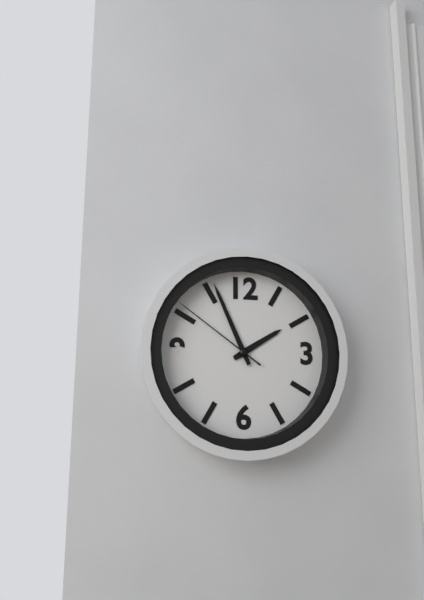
1:56:51
